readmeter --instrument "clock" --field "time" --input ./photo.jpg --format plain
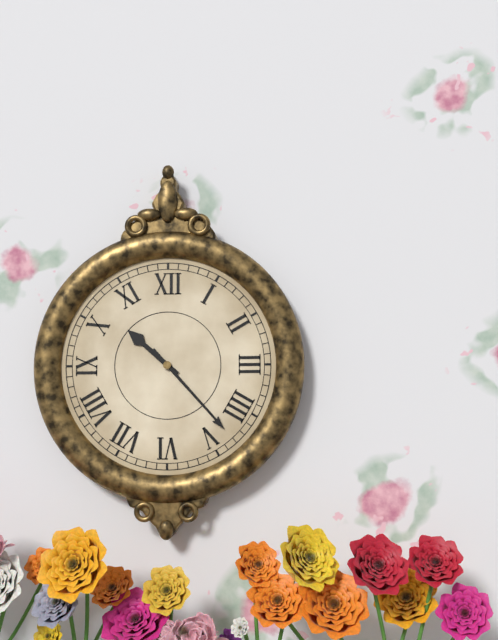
10:23
